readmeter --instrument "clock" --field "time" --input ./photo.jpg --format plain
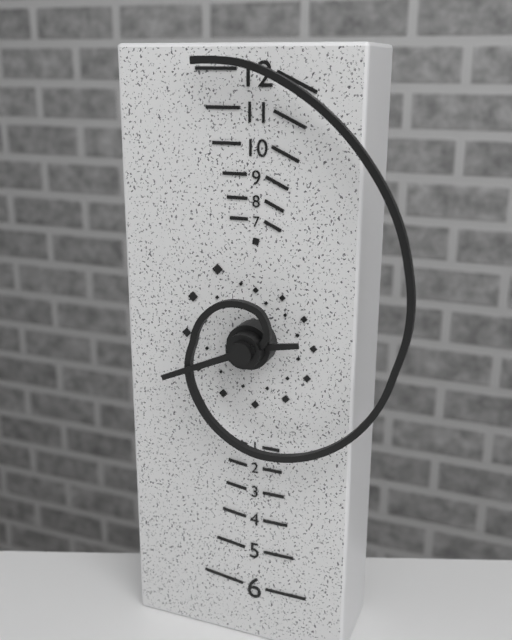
2:41
